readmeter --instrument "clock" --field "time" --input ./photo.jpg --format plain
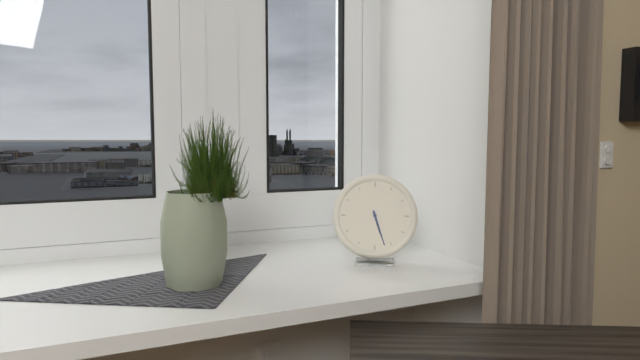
5:27
